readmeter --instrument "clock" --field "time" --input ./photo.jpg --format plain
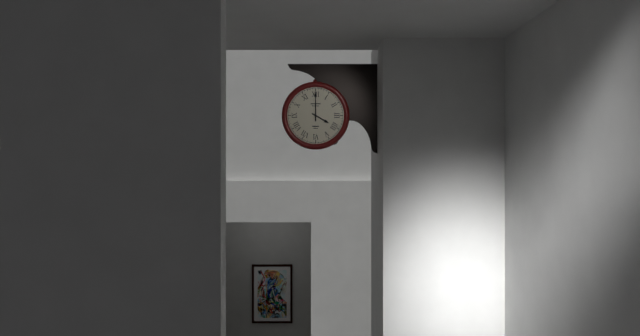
4:00
